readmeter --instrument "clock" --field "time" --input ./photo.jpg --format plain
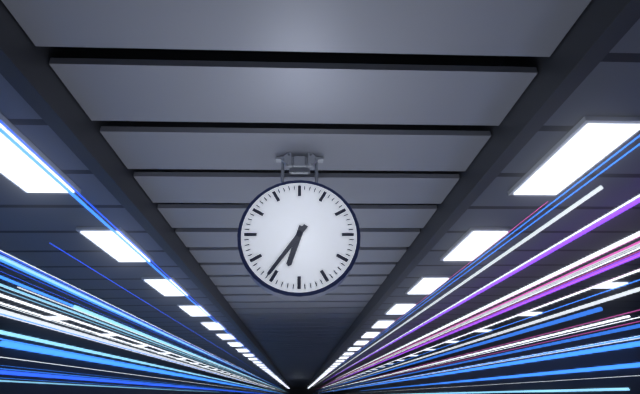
6:36
